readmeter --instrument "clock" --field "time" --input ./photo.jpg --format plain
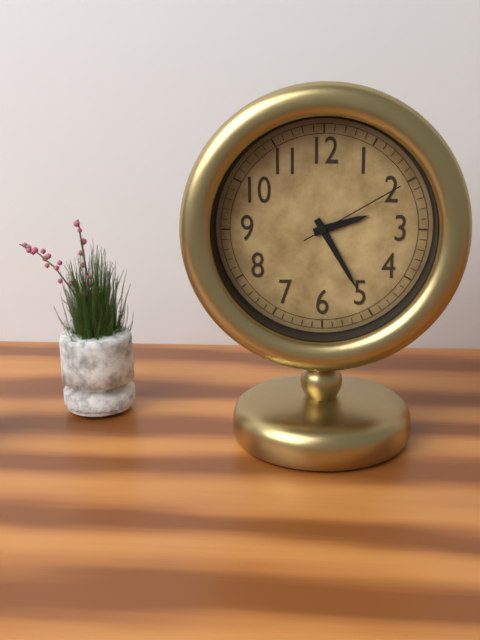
2:25:10
